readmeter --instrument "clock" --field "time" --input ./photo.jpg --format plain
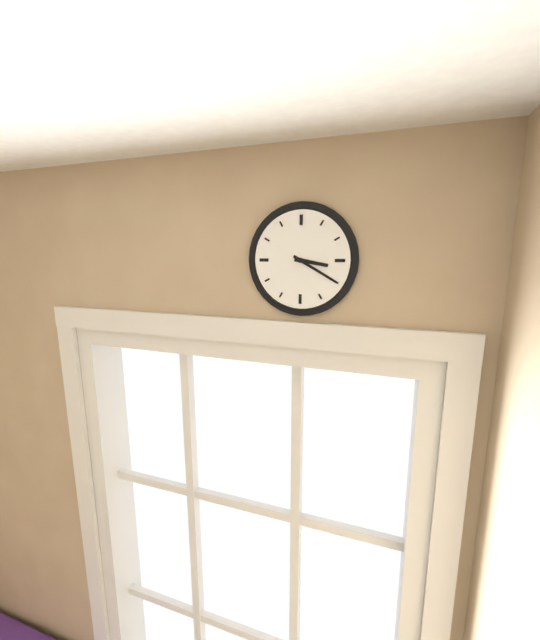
3:20
